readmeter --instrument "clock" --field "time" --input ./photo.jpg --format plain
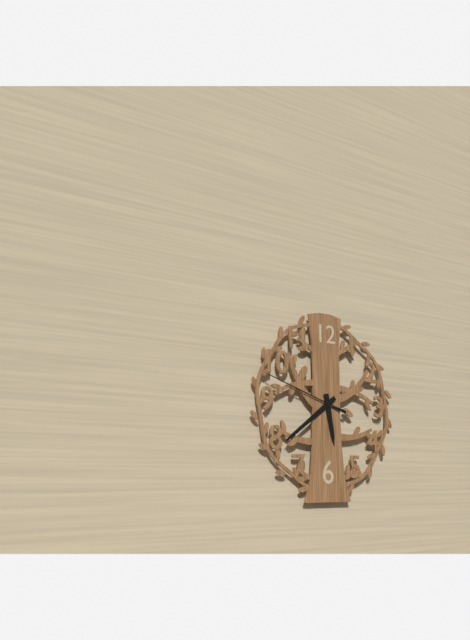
5:39:48
